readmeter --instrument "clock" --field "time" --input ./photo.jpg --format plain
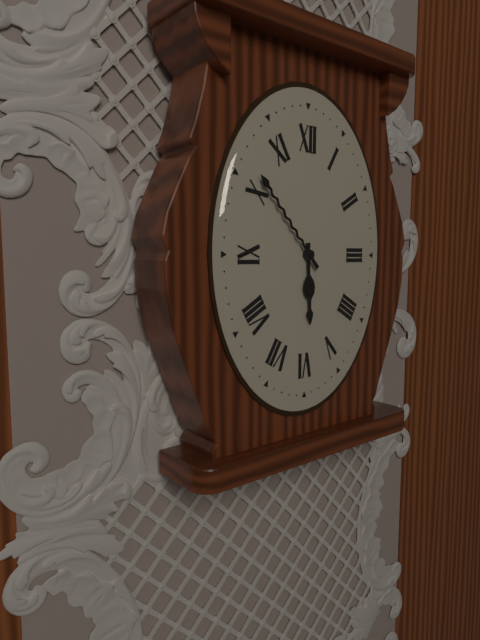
5:53
